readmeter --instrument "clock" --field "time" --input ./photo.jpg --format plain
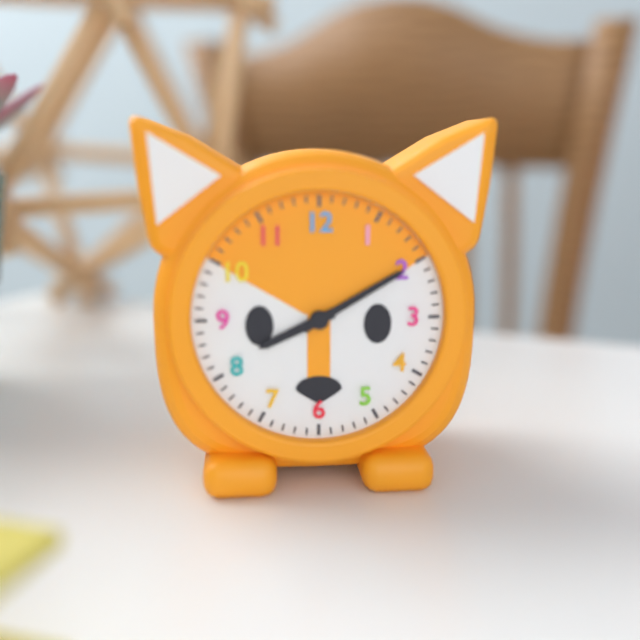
8:10
